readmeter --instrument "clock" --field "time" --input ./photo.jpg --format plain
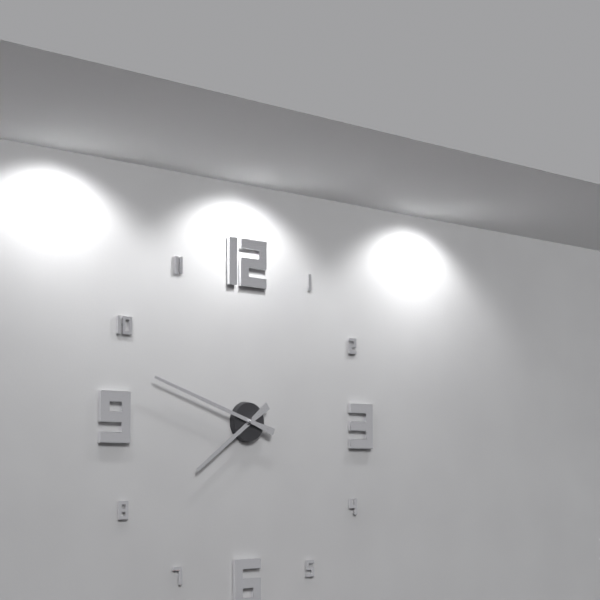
7:48
